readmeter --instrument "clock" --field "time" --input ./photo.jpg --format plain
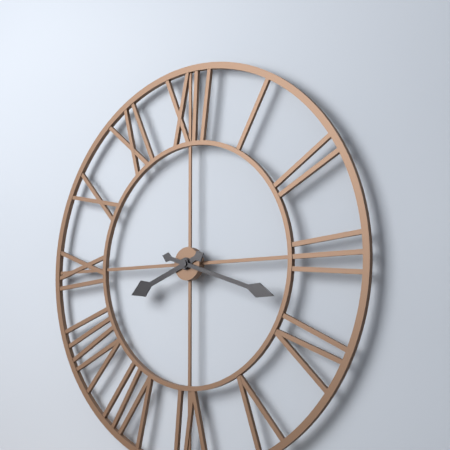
8:18
